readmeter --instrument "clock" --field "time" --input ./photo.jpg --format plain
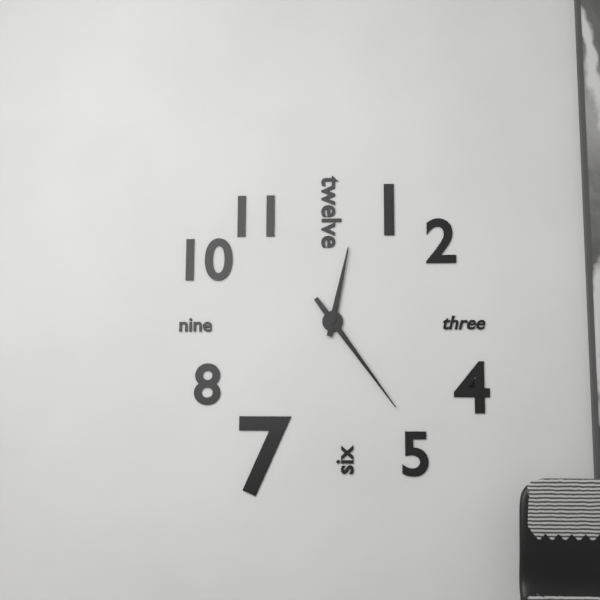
12:24
